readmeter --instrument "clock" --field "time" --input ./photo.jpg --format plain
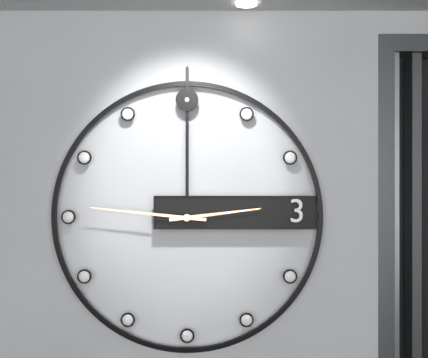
2:46
